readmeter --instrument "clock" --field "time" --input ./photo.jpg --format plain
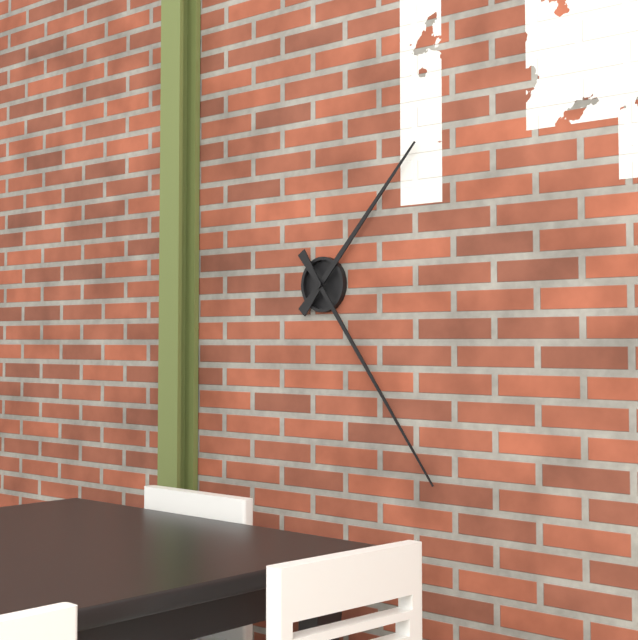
1:24
